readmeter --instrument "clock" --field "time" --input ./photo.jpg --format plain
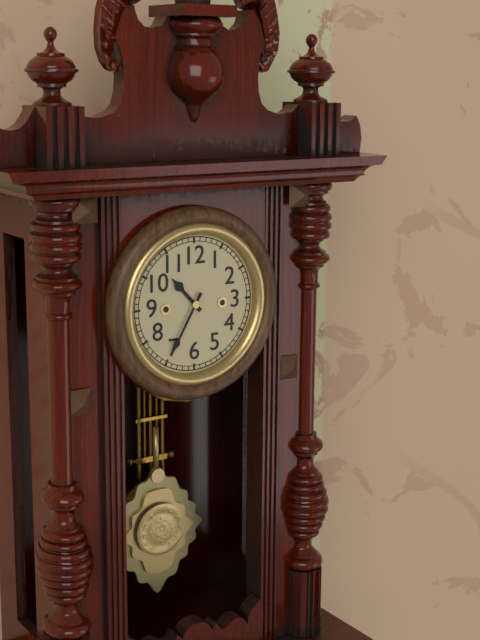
10:35
